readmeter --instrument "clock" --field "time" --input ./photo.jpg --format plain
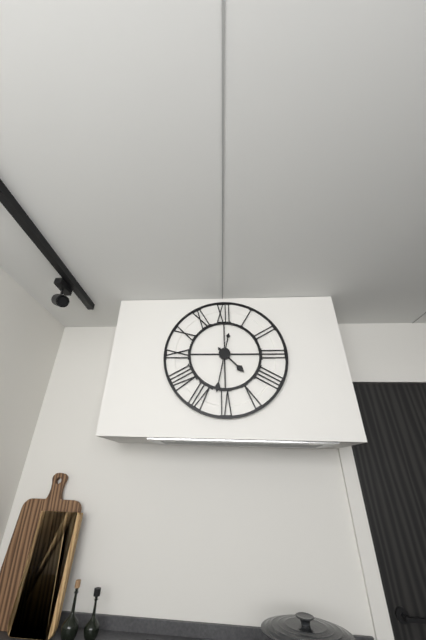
4:32
